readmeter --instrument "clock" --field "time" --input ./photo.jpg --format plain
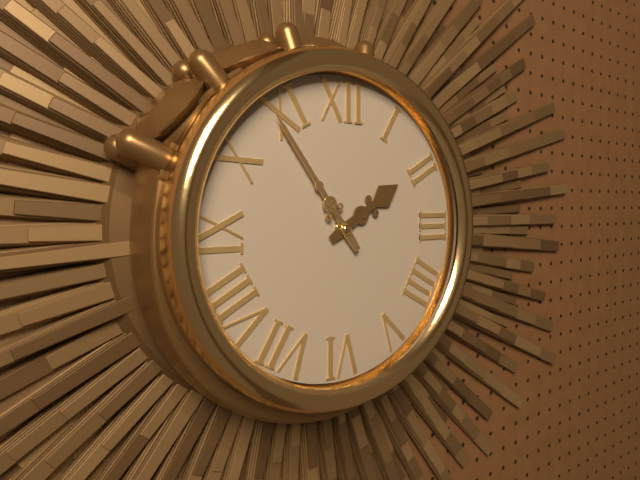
1:54
